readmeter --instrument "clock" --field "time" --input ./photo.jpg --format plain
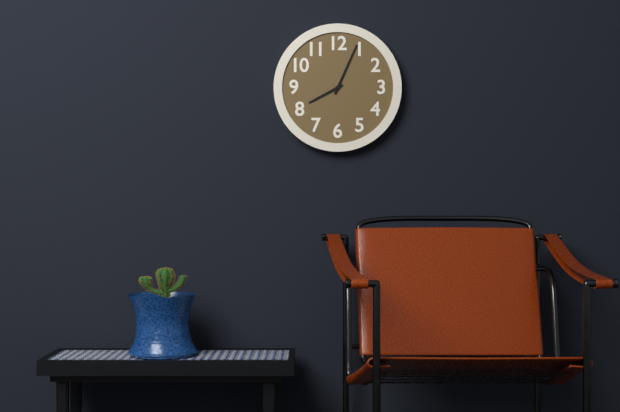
8:04
